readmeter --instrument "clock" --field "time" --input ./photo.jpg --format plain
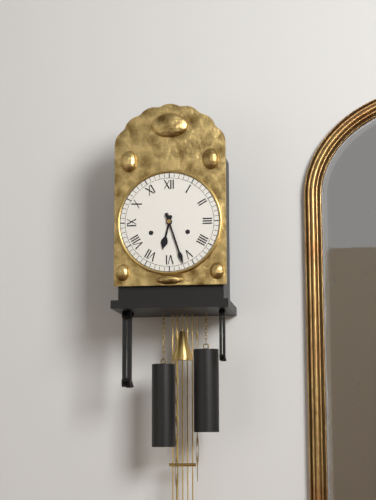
6:27
